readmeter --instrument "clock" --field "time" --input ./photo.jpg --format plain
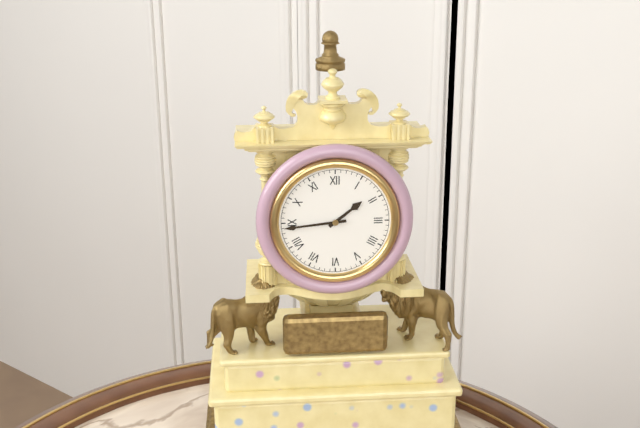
1:44
